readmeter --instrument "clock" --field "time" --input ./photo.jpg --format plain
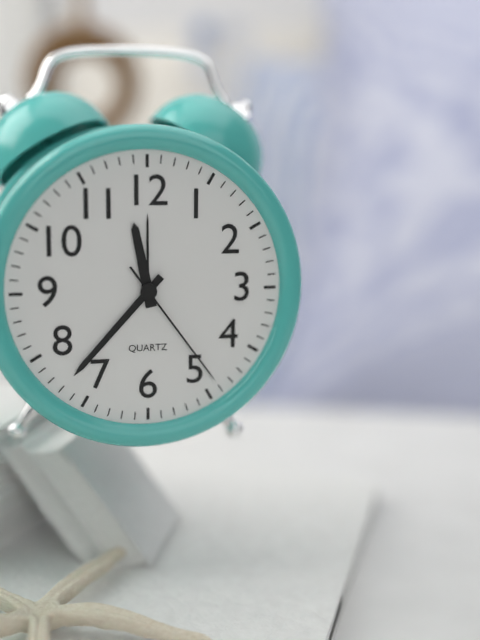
11:37:24
